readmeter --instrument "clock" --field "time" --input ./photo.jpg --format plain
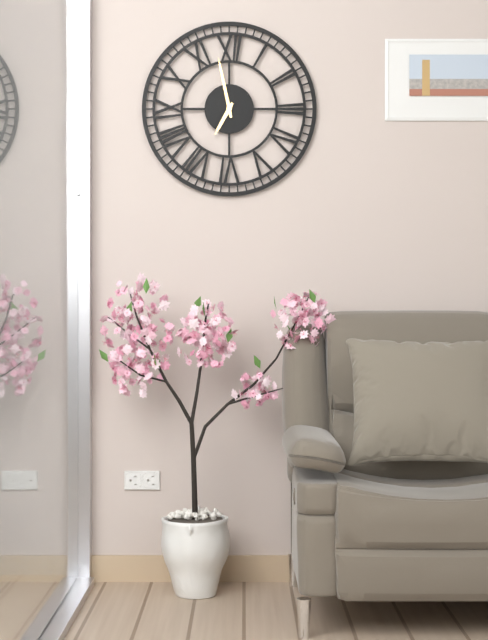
6:58
